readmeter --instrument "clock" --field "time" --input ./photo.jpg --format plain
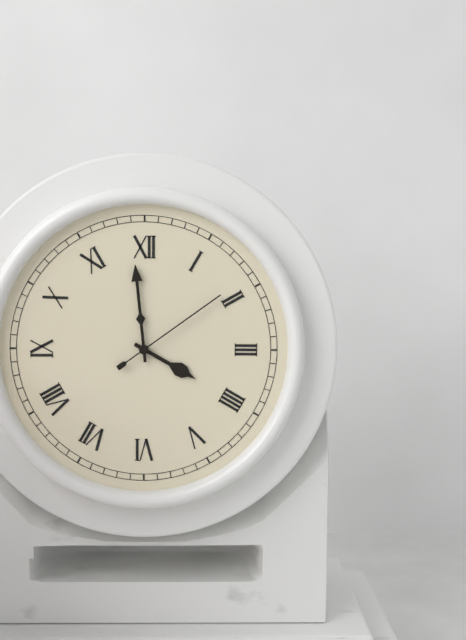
3:59:09
